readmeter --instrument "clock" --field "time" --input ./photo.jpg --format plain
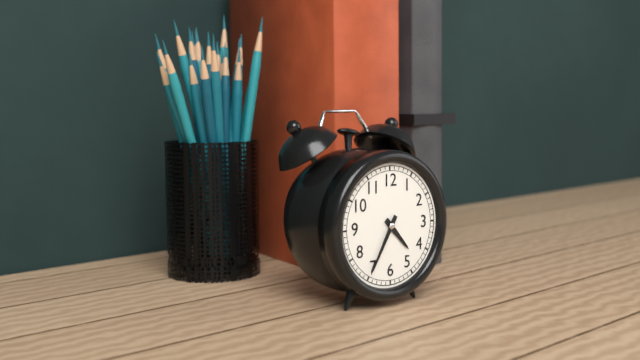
4:35
